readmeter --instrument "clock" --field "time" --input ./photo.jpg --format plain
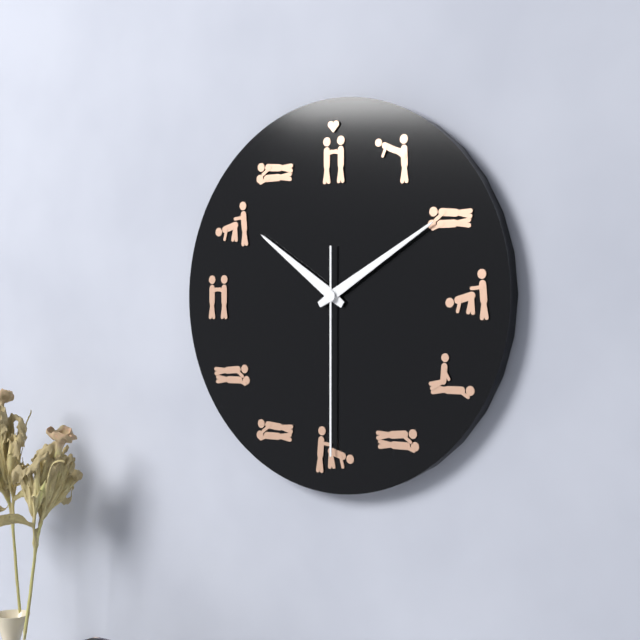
10:10:30
